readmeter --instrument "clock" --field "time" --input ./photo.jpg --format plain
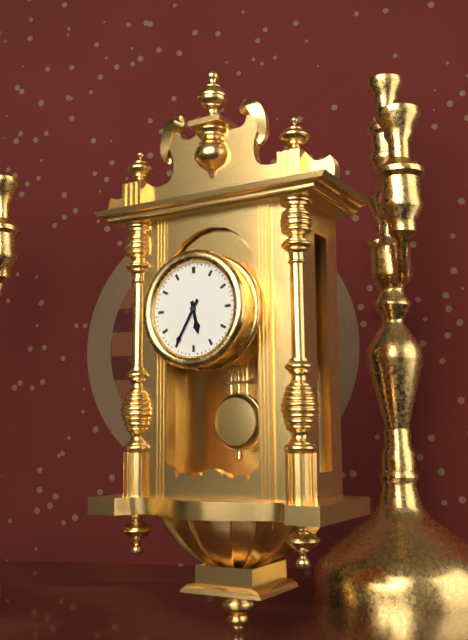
5:35
